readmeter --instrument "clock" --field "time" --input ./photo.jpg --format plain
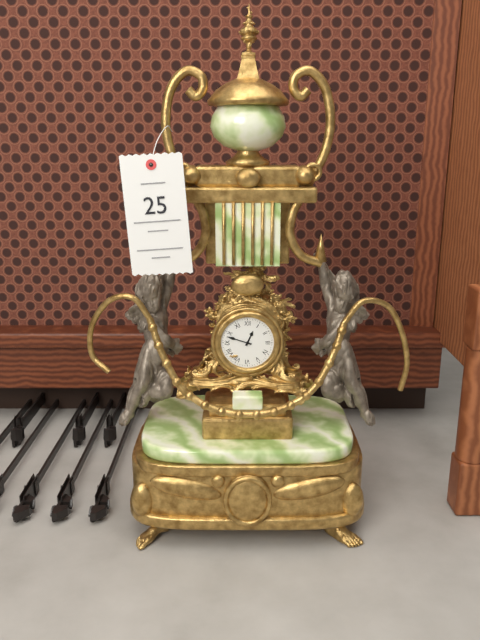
12:48
